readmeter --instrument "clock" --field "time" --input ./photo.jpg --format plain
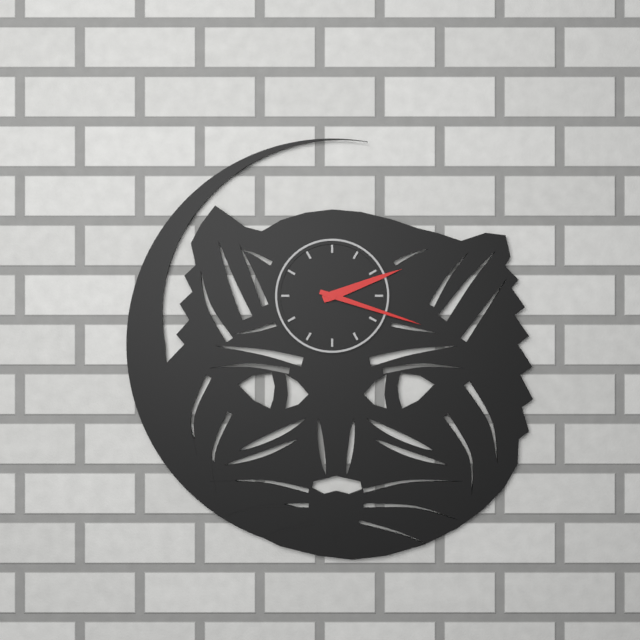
2:18
